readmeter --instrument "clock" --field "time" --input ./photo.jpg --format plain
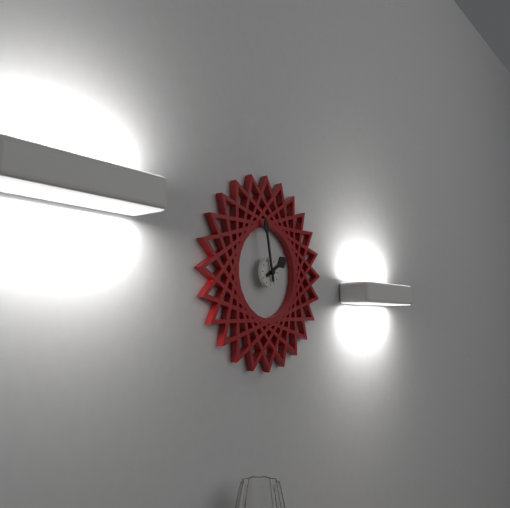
1:58
